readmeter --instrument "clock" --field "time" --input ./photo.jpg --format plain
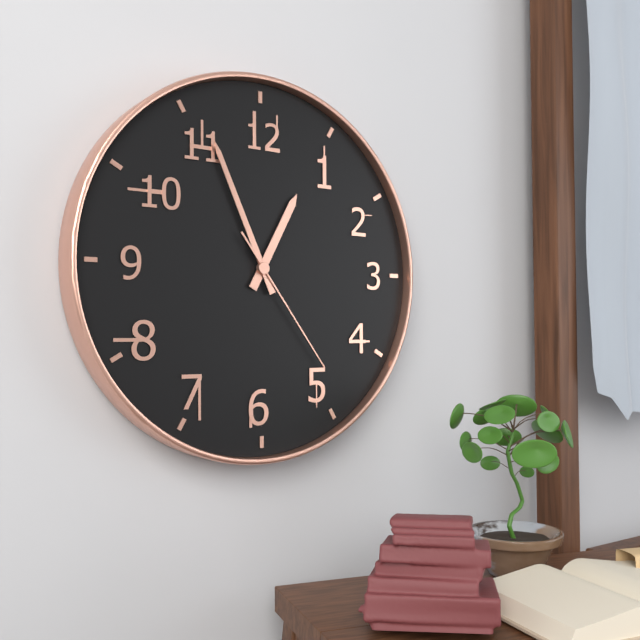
12:56:24
